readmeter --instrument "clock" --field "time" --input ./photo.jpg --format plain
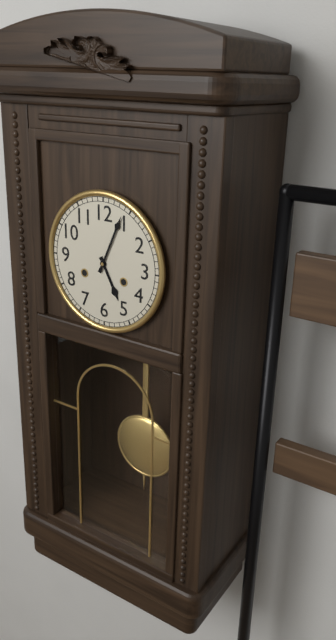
5:04
